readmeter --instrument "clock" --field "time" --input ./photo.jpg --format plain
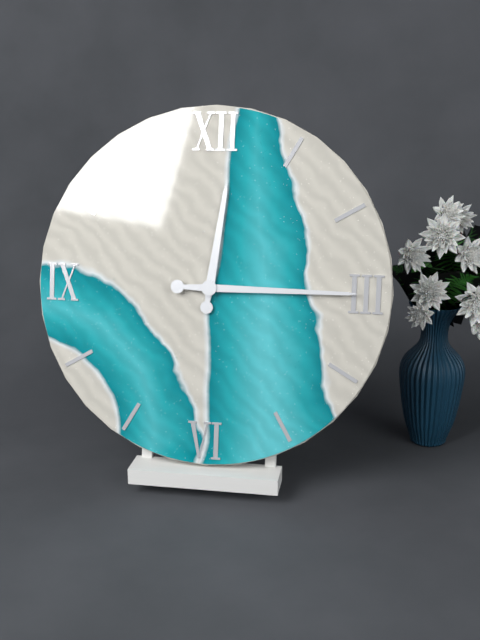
12:15
